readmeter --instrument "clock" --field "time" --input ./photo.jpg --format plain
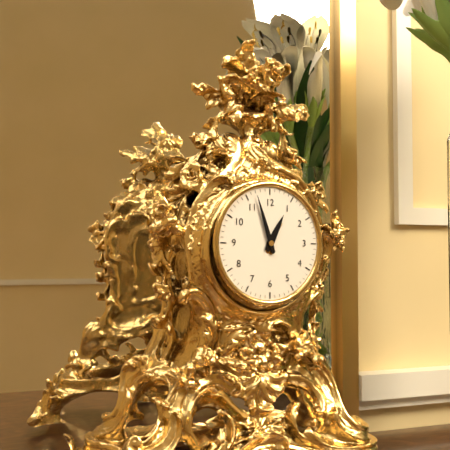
12:57
